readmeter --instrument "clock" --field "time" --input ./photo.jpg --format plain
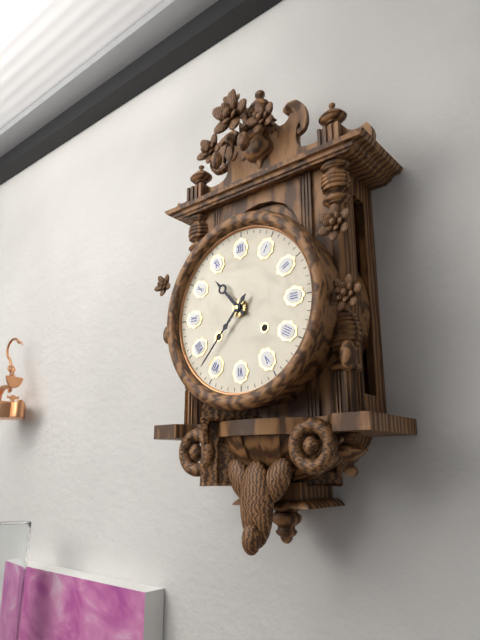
10:37
